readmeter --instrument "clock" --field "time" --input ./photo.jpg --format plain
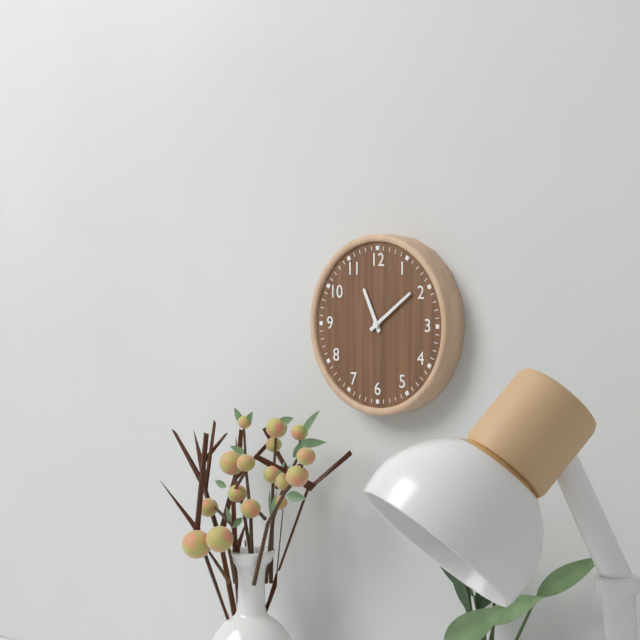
11:09
